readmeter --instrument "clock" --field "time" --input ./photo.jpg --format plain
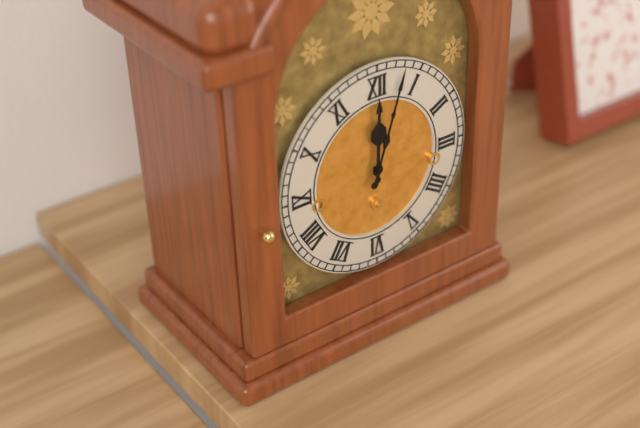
12:03
